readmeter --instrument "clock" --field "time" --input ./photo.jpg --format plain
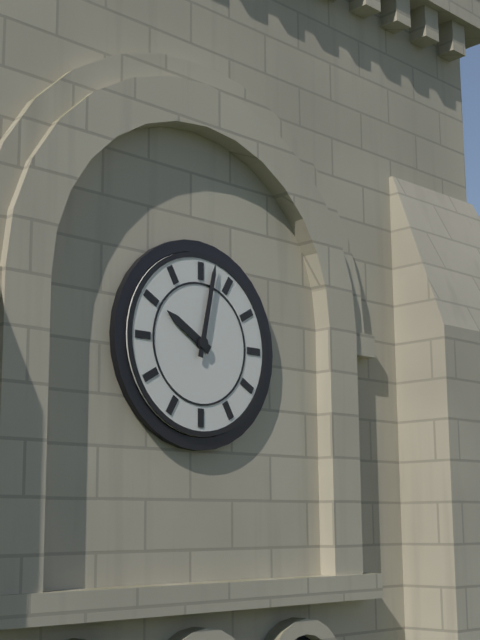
10:02
